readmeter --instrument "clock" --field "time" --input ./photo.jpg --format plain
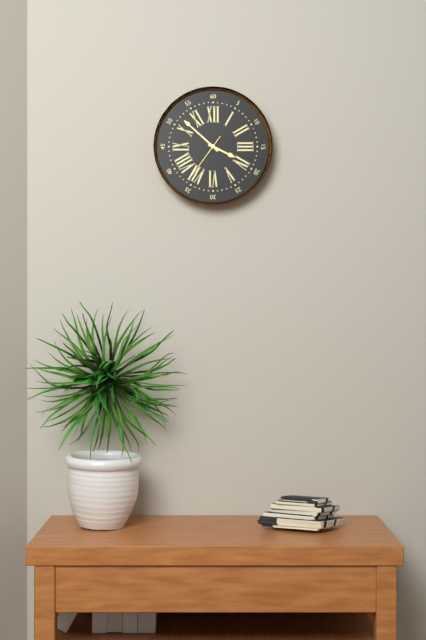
3:52:36
